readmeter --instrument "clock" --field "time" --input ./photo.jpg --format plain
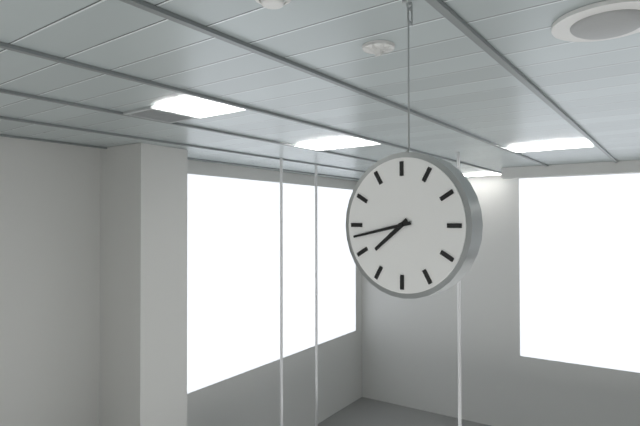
7:43
